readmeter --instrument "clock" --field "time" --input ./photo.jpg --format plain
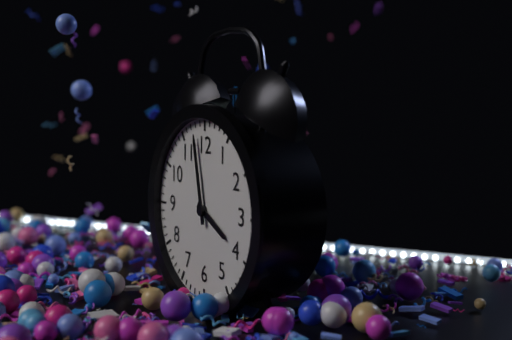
3:58
